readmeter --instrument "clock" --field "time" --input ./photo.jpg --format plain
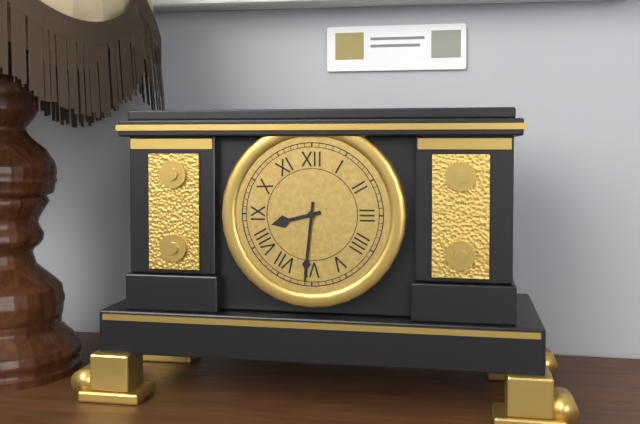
8:31
